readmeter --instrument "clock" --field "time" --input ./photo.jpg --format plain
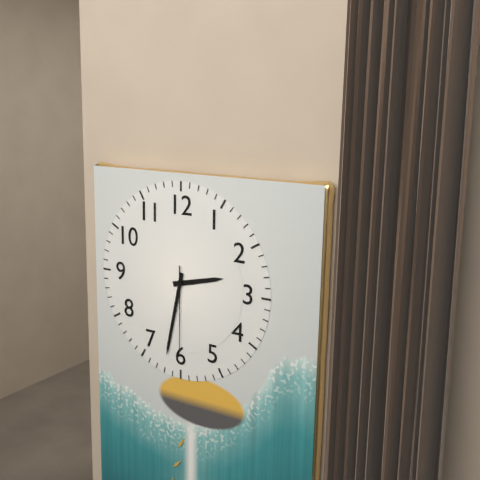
2:32:30
